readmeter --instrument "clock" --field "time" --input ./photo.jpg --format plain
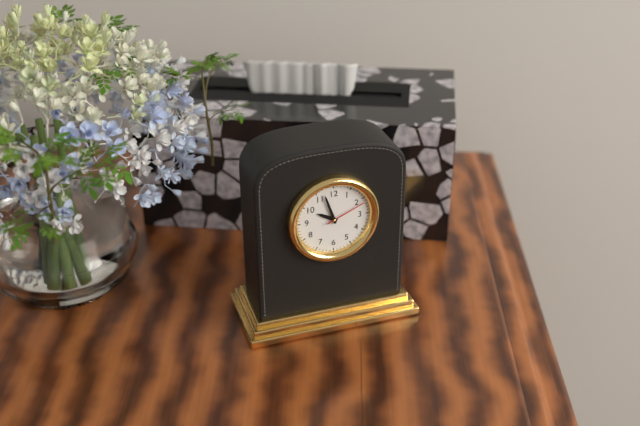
9:57
